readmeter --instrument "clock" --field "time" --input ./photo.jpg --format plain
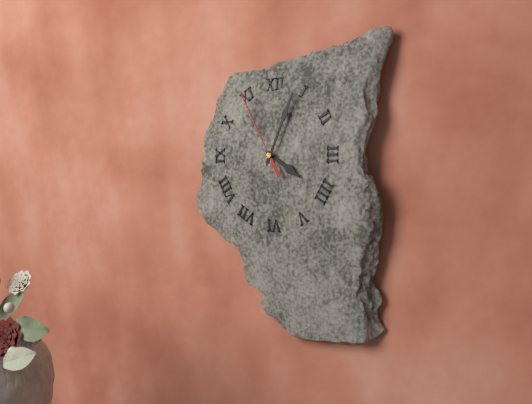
4:04:55
